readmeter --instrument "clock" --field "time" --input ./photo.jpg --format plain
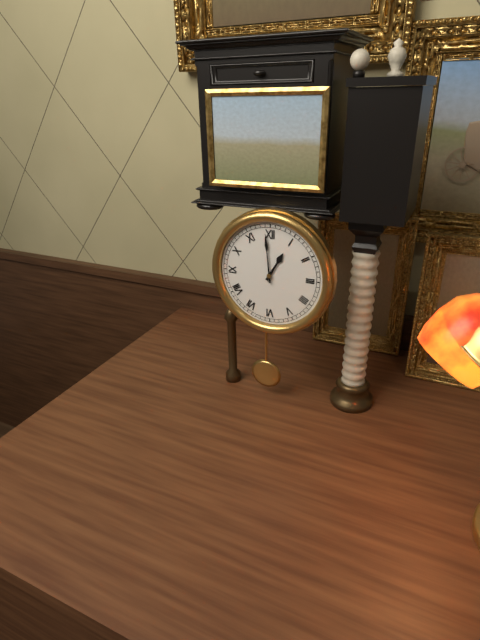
12:59
